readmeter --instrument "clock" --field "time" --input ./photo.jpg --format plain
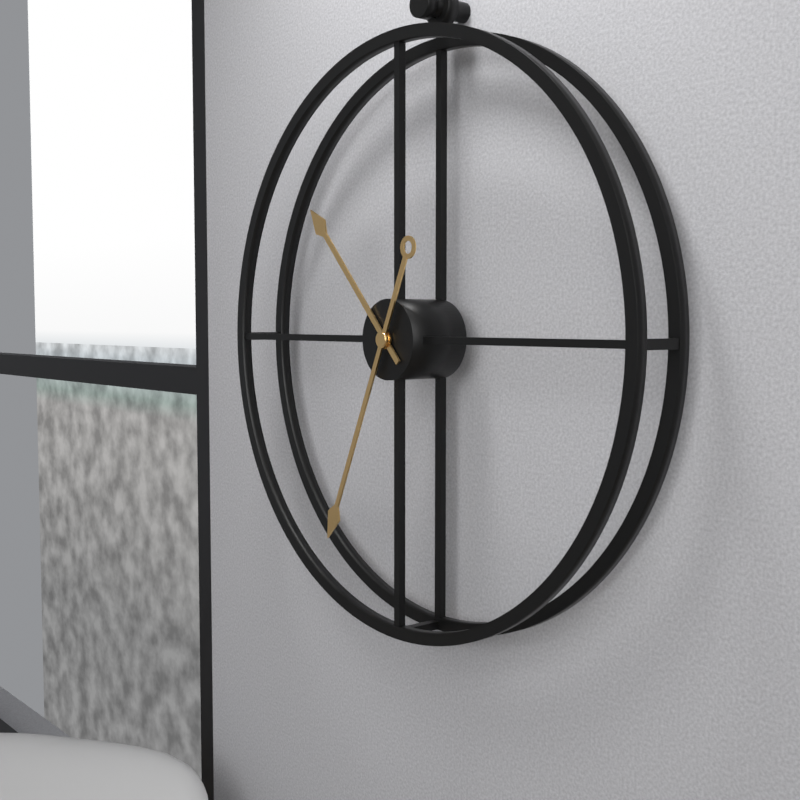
10:34
